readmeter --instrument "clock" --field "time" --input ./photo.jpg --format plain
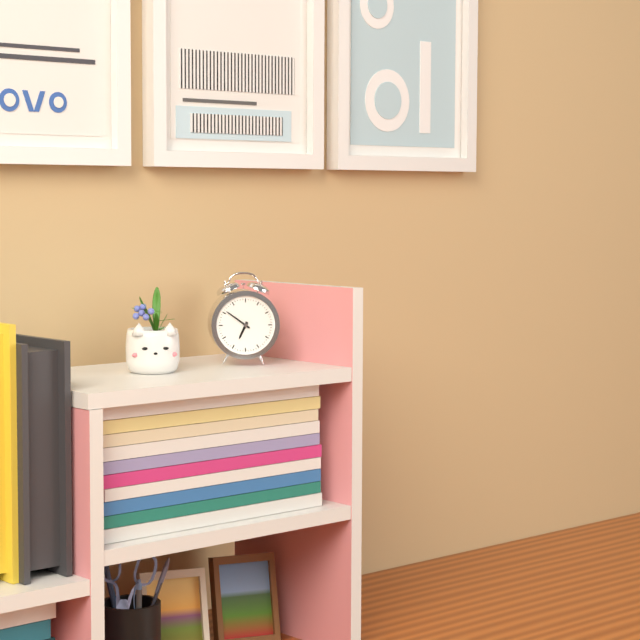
6:51
